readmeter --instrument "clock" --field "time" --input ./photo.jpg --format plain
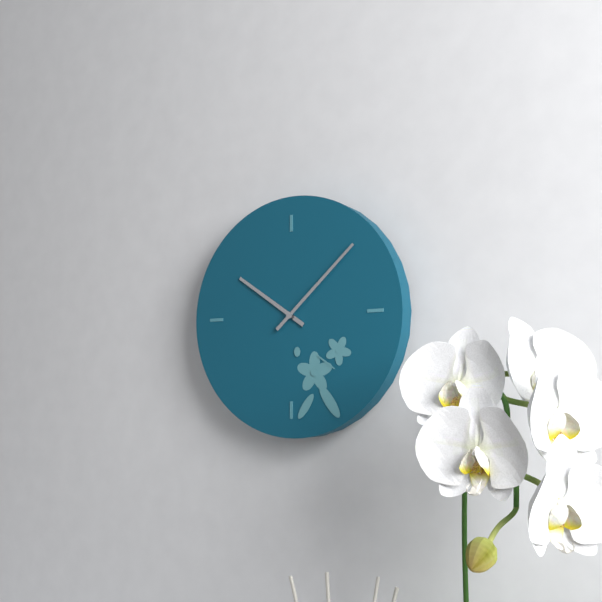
10:08
